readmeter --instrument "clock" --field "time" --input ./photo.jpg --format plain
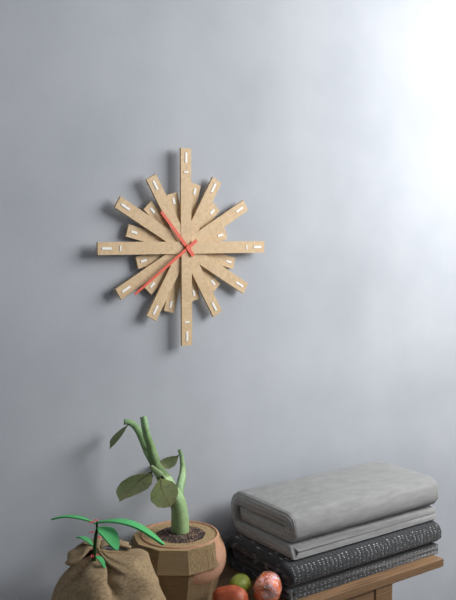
10:39
